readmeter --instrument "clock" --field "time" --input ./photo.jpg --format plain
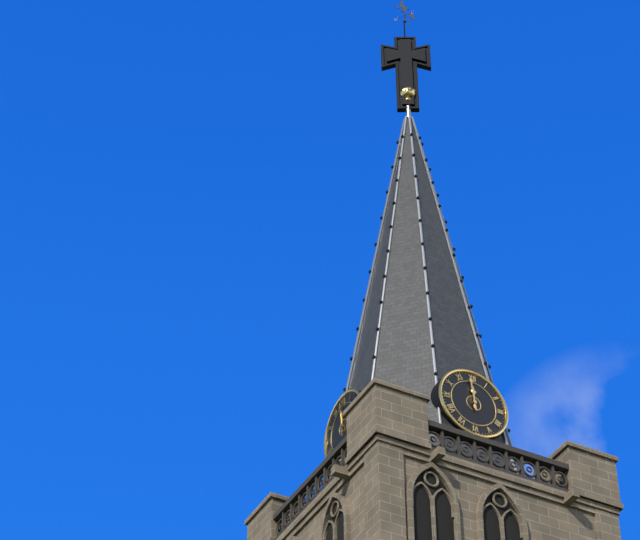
11:59
